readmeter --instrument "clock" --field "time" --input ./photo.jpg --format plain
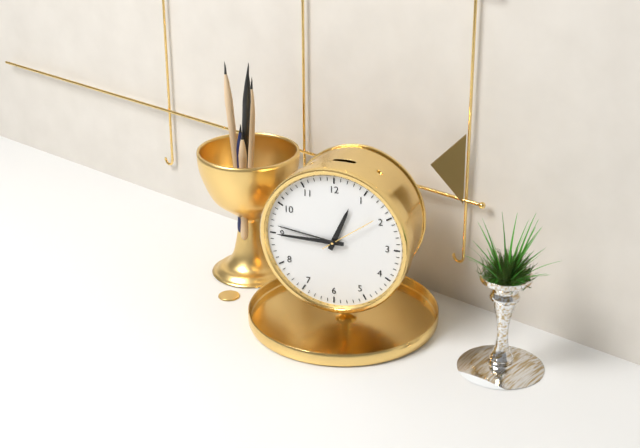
12:45:09
